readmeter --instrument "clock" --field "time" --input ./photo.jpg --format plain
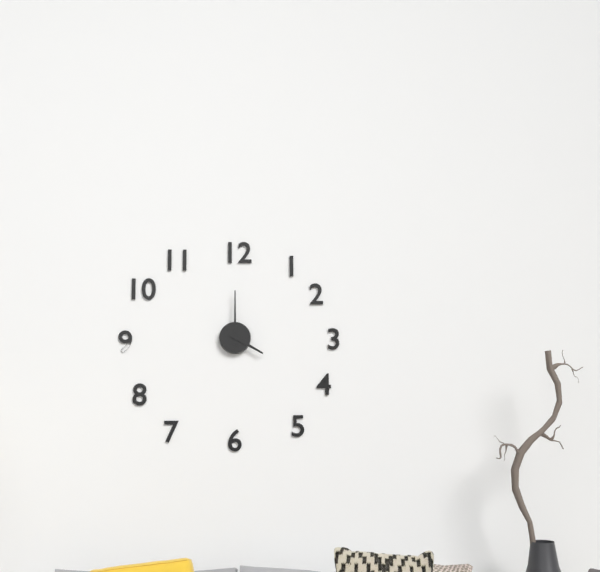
4:00
